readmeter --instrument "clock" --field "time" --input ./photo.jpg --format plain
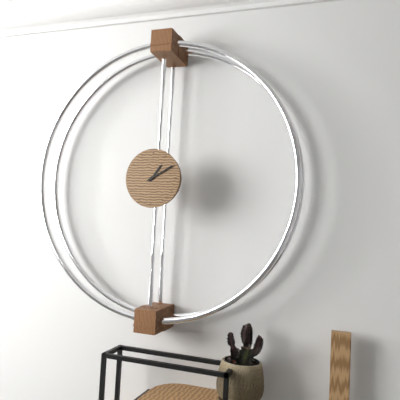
1:10
